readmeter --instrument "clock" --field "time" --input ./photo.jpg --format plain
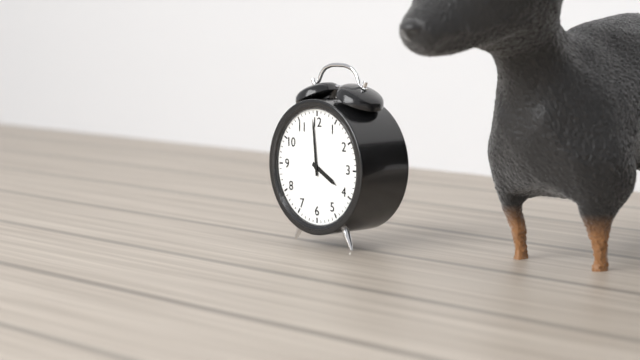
3:59
